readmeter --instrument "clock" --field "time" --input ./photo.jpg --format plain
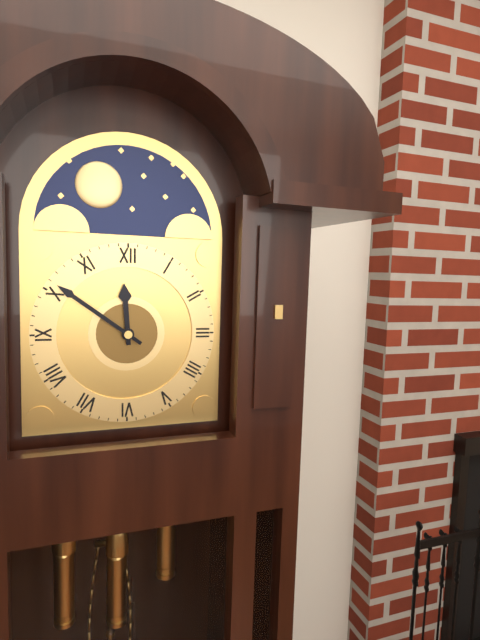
11:51
